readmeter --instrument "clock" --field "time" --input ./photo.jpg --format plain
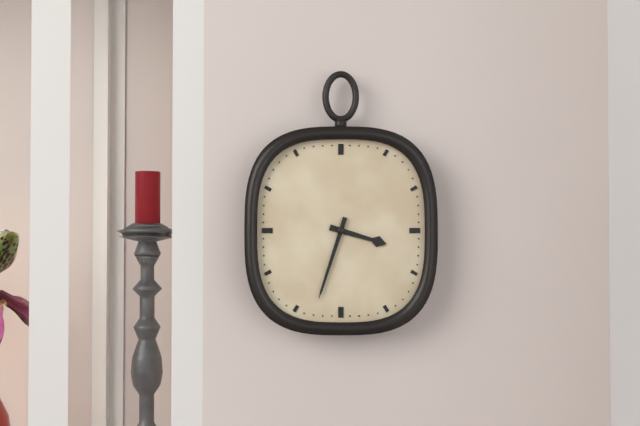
3:33
